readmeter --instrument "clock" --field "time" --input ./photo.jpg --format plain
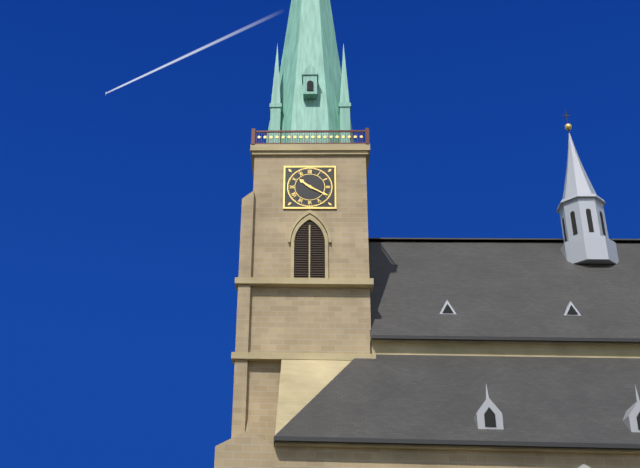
10:20
